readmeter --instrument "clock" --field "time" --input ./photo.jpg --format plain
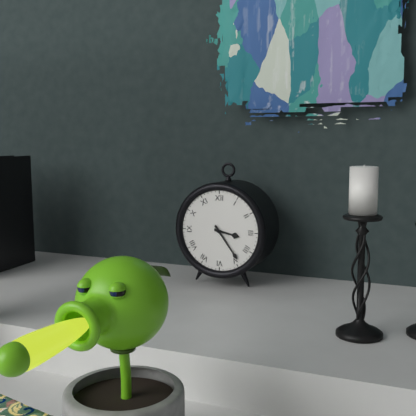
3:24
